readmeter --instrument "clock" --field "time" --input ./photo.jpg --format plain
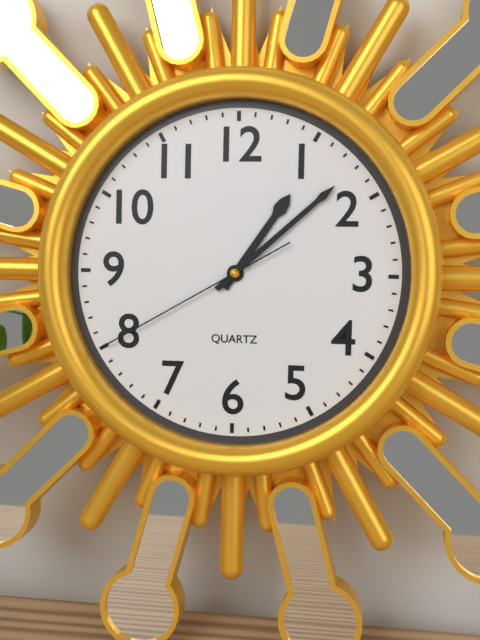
1:08:40
